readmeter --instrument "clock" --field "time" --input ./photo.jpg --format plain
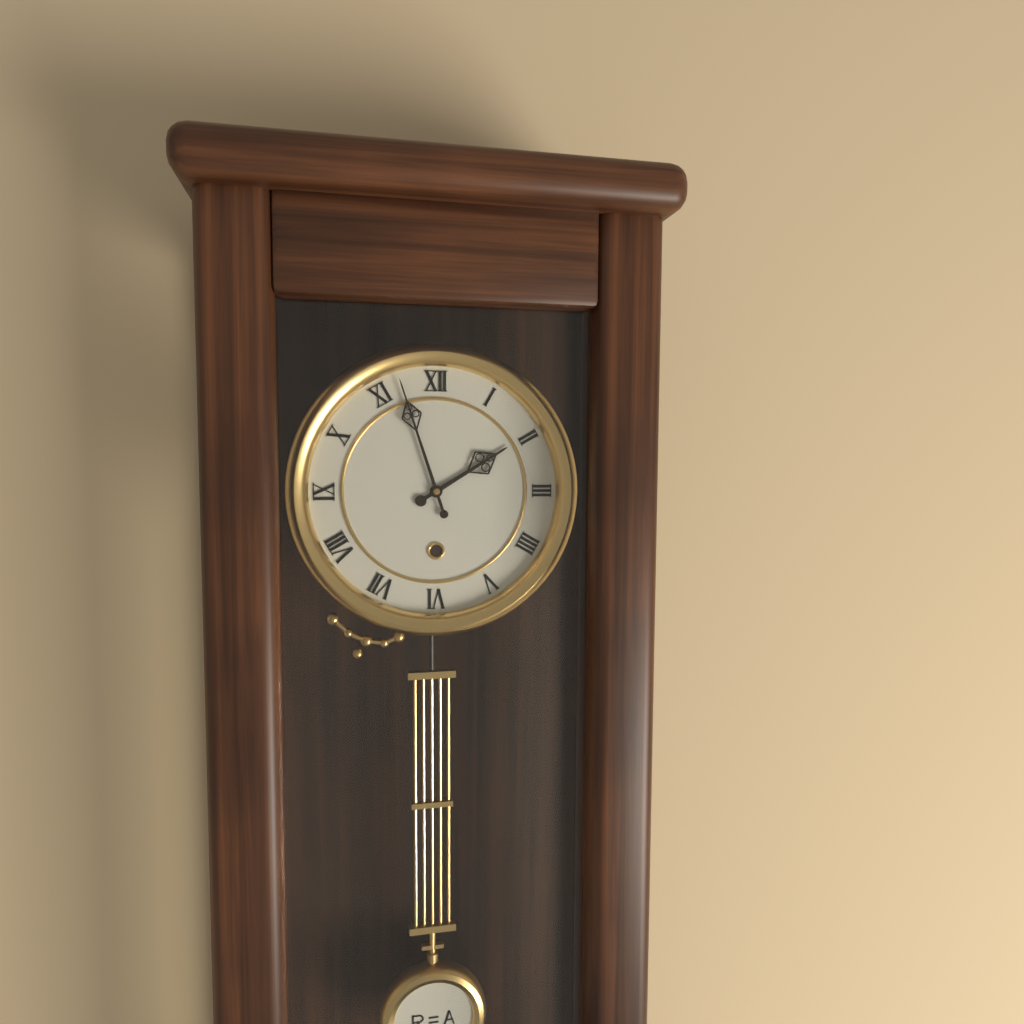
1:57
